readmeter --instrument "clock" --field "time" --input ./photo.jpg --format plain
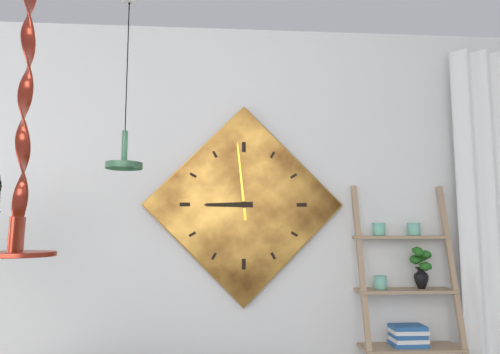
8:59
